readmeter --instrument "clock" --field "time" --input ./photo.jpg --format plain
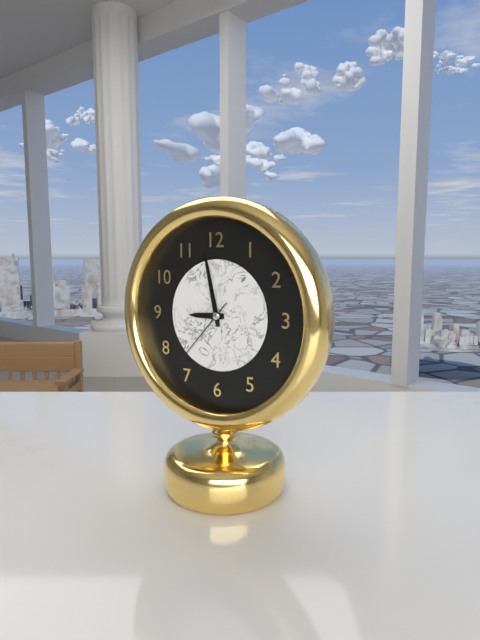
8:58:37
